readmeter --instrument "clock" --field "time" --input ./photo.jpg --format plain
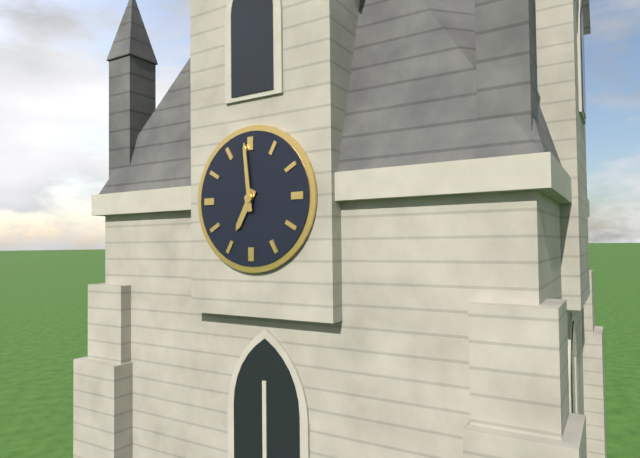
6:59
